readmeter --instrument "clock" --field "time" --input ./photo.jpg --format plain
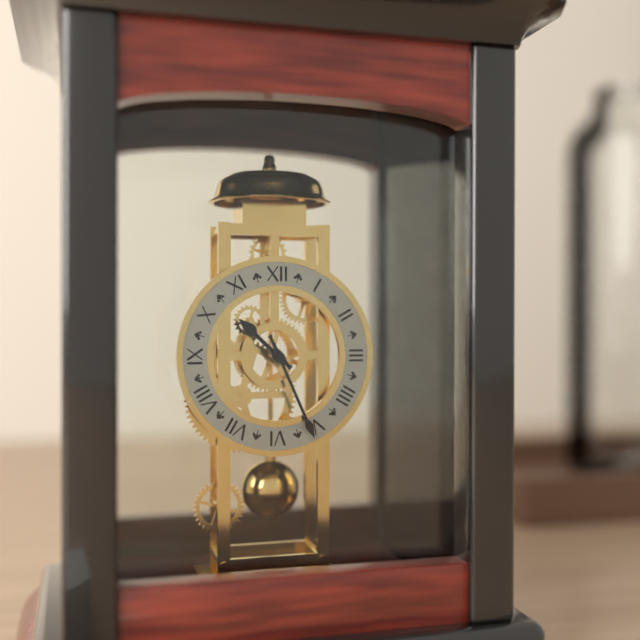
10:26
